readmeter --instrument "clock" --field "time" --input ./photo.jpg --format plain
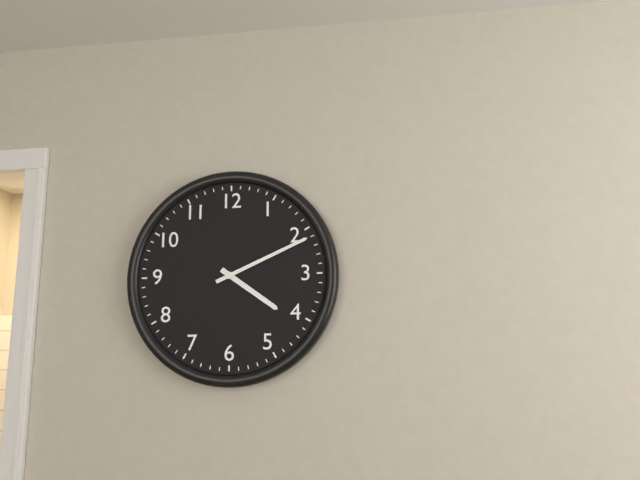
4:11
